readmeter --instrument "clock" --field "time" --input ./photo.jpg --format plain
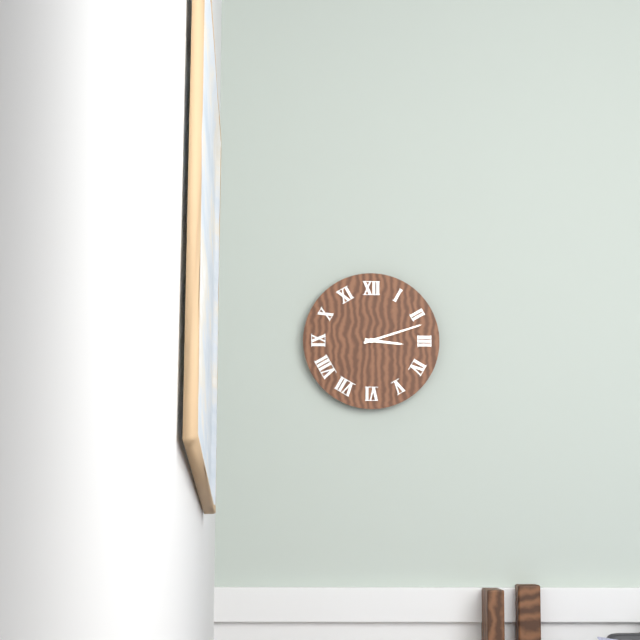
3:12
